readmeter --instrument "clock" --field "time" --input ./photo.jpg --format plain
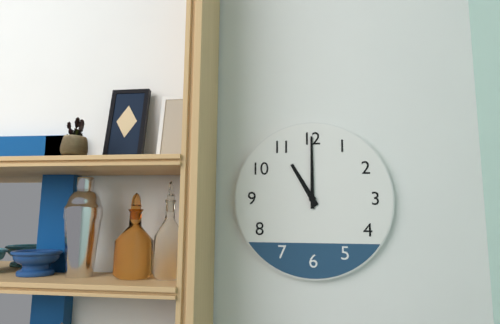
11:00
